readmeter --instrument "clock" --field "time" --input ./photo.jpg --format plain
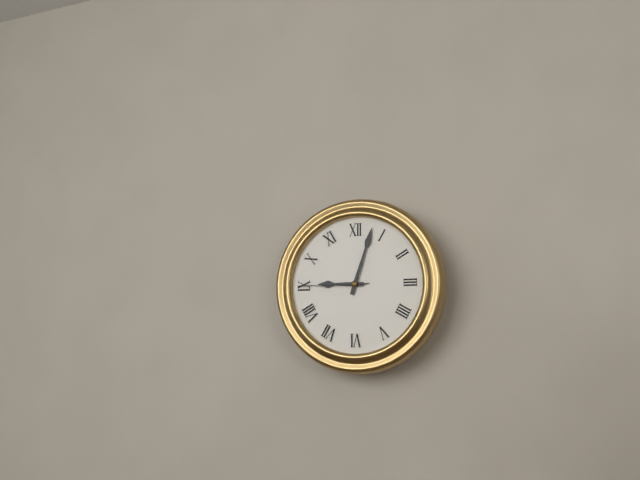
9:03:45
